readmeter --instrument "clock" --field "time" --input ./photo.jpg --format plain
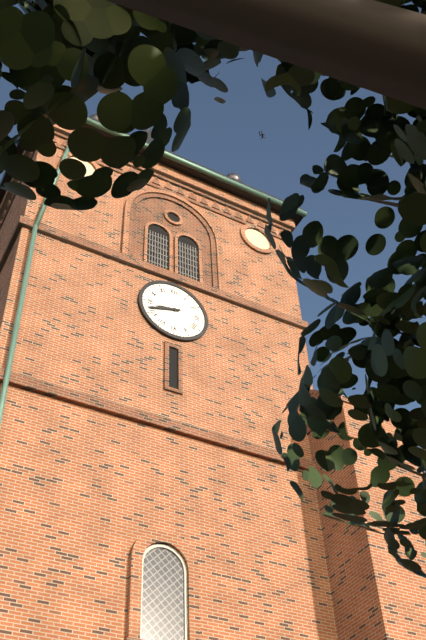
8:42
